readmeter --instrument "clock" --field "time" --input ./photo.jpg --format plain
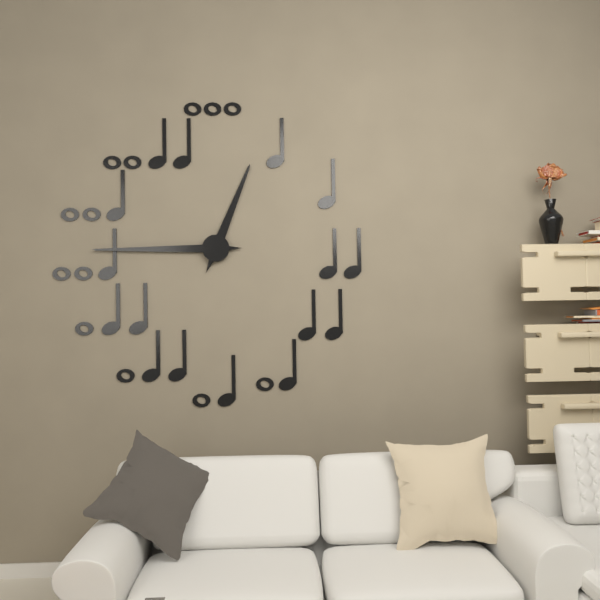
12:45
